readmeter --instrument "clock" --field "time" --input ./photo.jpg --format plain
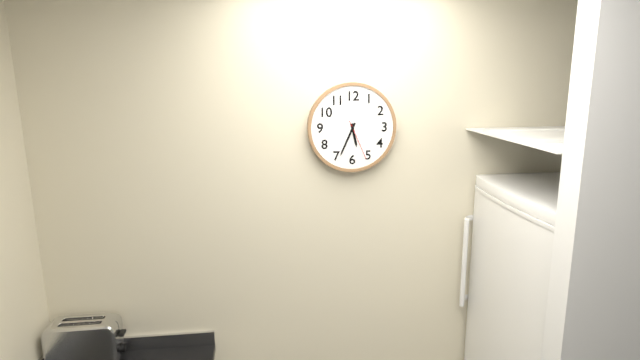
5:34
